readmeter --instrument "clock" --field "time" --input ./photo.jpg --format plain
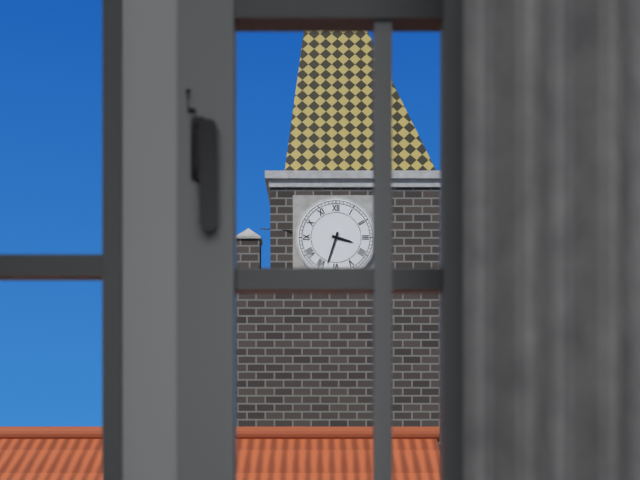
3:33
